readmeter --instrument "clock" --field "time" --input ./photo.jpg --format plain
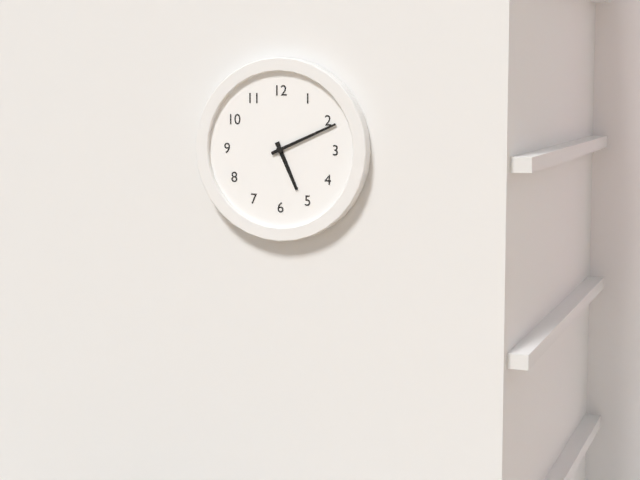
5:11
